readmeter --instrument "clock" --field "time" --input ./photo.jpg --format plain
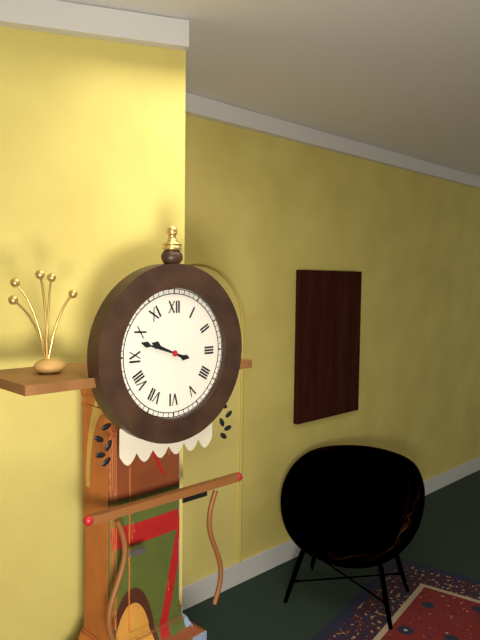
9:48
